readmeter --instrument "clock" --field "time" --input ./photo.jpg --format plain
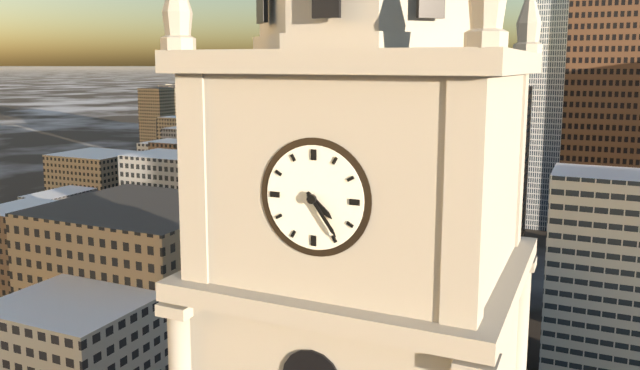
4:24
